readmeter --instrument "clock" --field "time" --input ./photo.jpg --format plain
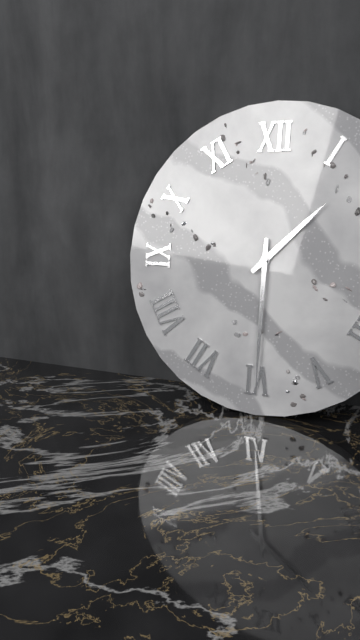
1:30
